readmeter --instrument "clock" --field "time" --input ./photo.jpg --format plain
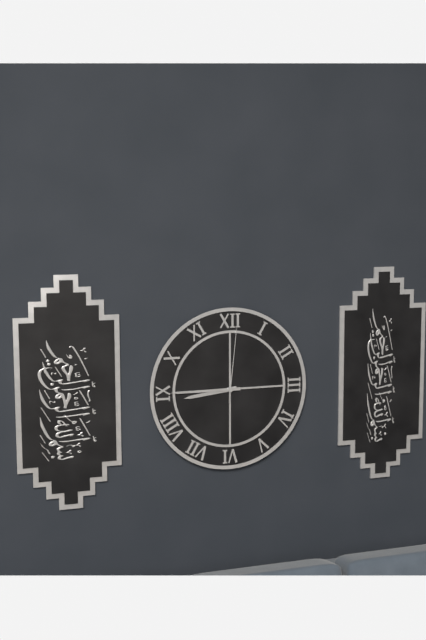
8:45:01
